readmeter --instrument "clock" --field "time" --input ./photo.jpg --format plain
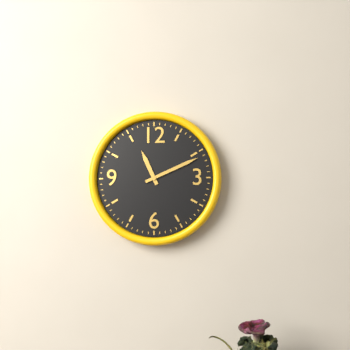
11:11
